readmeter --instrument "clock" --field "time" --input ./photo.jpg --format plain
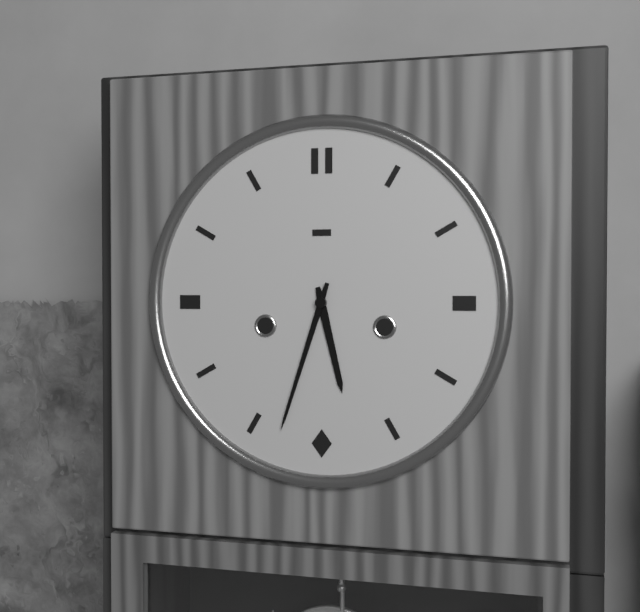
5:33
